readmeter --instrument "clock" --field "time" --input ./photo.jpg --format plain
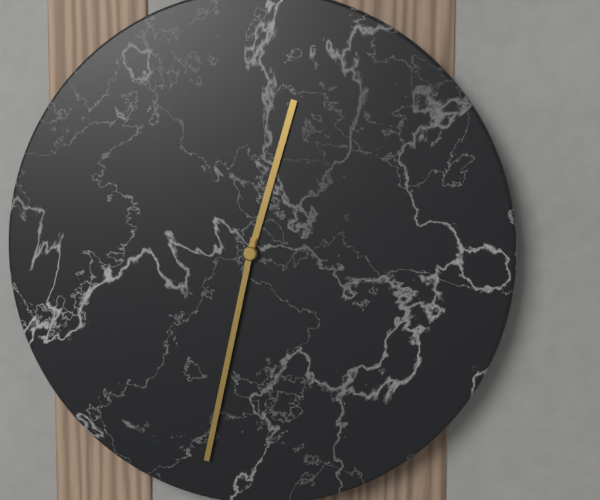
12:32
